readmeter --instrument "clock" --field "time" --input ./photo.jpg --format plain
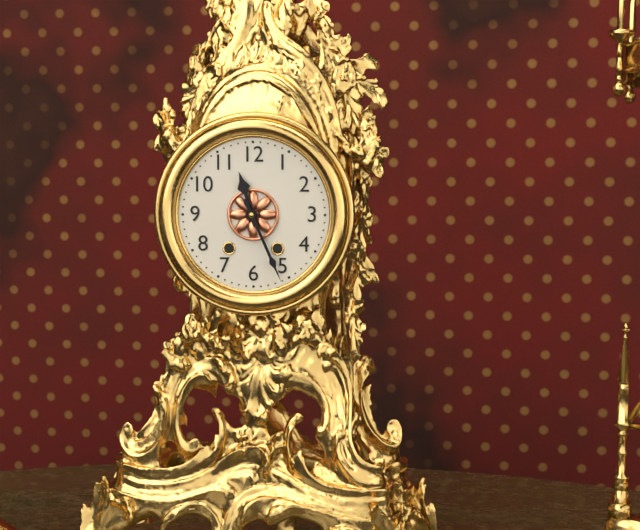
11:26
